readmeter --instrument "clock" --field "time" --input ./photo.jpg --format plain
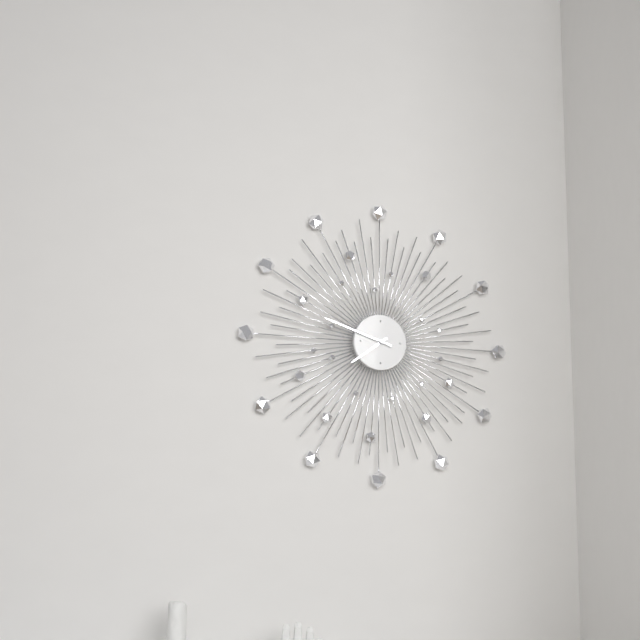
7:48
